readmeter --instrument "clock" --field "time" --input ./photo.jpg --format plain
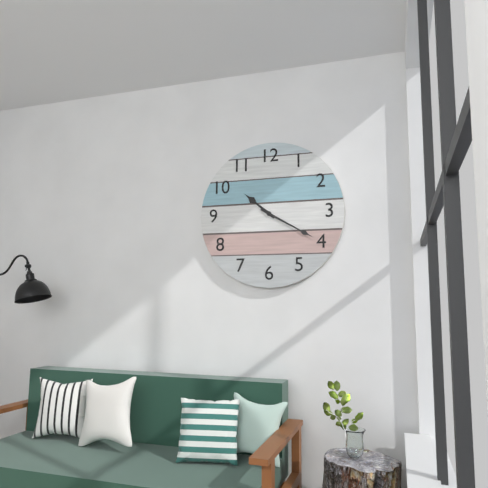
10:20
